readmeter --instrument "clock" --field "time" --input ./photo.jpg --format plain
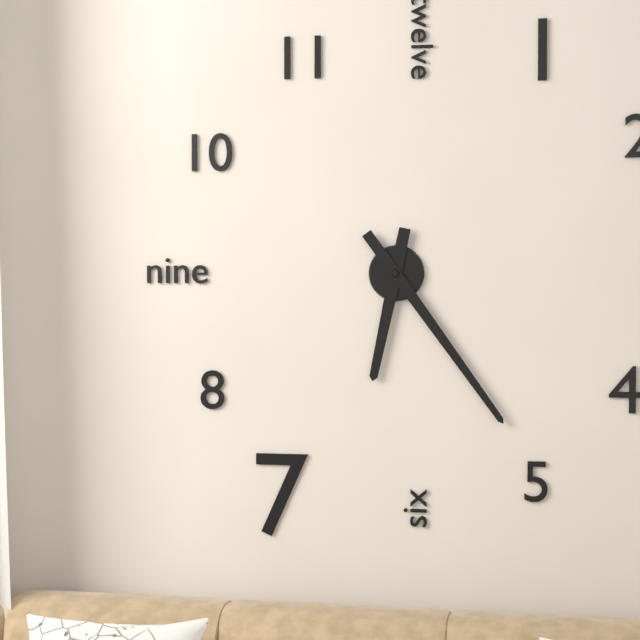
6:24
